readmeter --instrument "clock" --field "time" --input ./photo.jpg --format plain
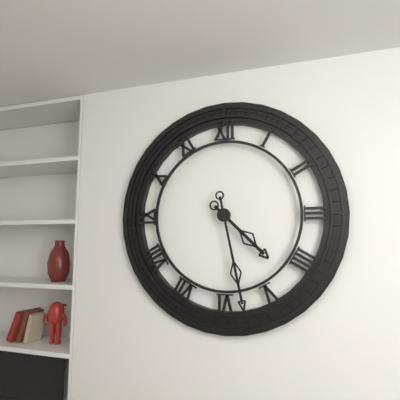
4:28
